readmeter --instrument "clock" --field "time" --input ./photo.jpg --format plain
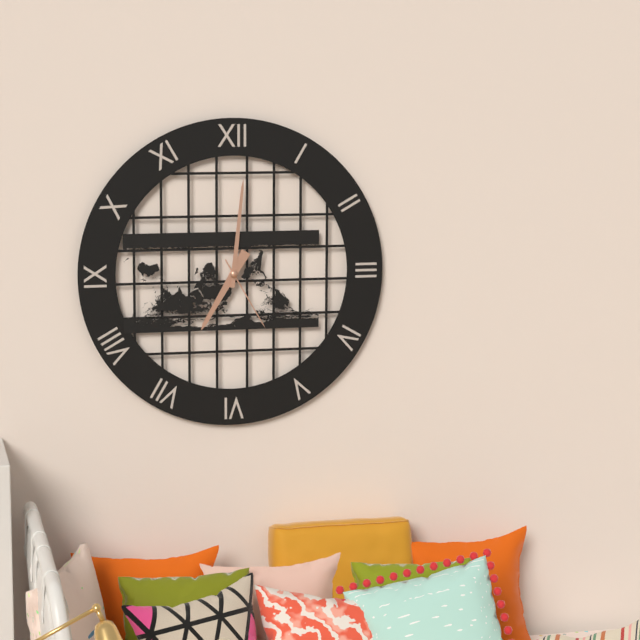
7:01:25
